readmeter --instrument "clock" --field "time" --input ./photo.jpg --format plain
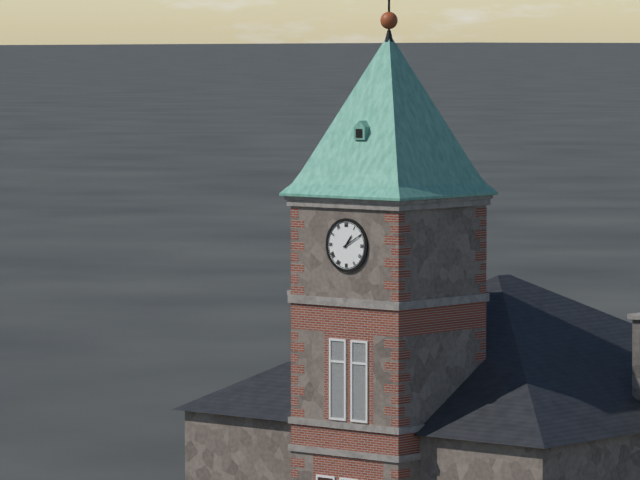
1:10
